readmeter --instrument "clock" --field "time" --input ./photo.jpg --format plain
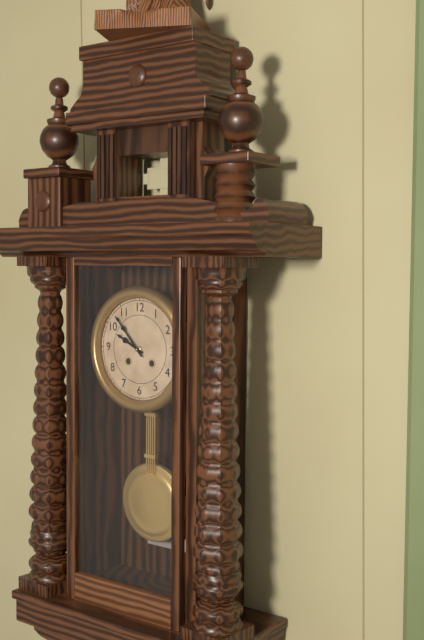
9:53
